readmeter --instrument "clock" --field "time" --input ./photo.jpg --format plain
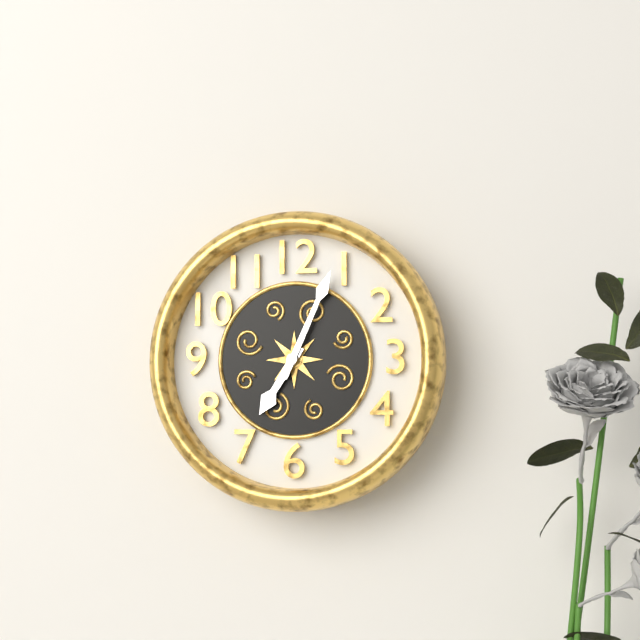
7:04
